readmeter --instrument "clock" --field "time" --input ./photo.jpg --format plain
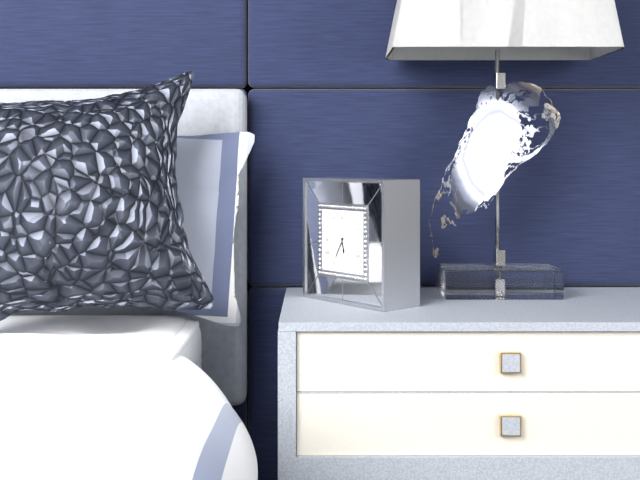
5:35
